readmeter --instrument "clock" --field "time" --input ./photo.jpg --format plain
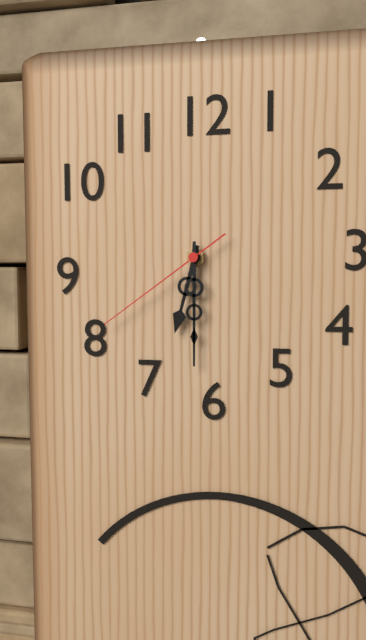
6:30:39
